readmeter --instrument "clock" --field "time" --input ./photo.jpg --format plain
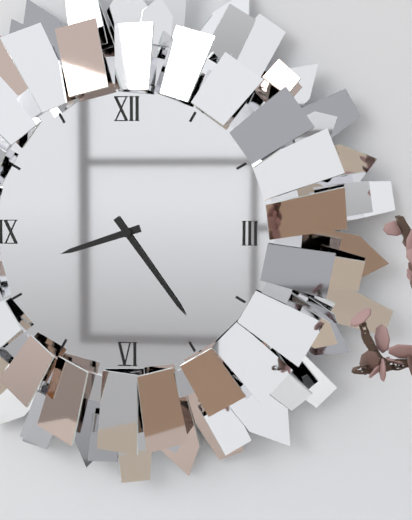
8:24
